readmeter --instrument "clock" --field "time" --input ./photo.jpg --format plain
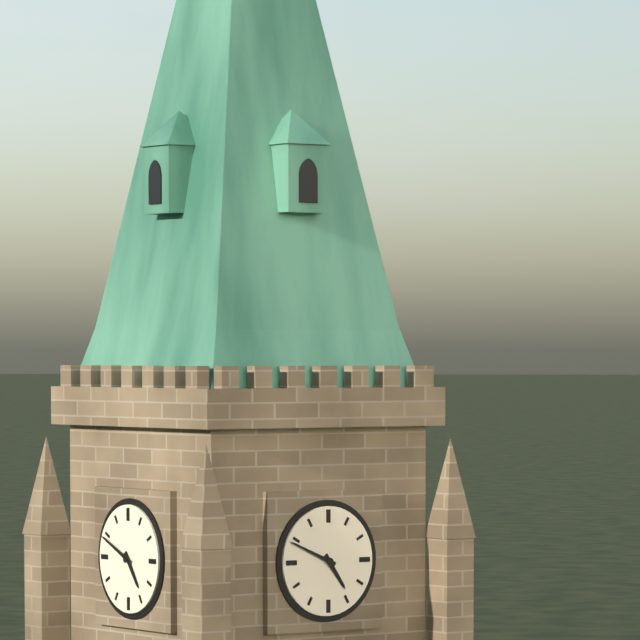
4:49
